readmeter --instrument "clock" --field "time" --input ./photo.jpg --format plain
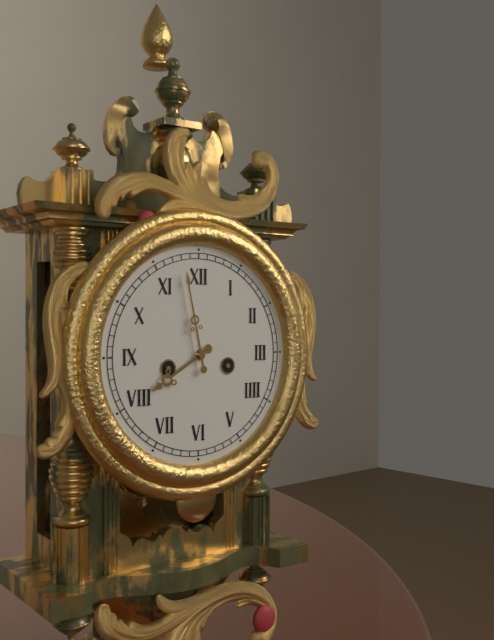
7:58
